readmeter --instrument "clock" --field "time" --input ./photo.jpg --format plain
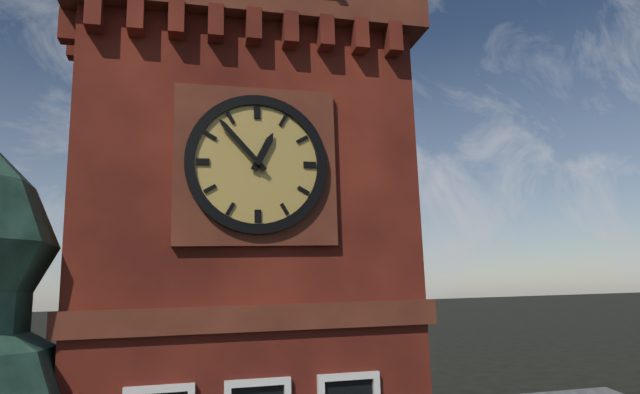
12:53
